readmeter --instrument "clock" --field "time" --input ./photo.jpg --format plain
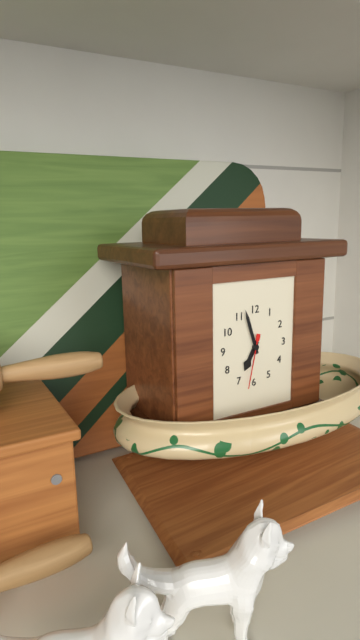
6:57:32
